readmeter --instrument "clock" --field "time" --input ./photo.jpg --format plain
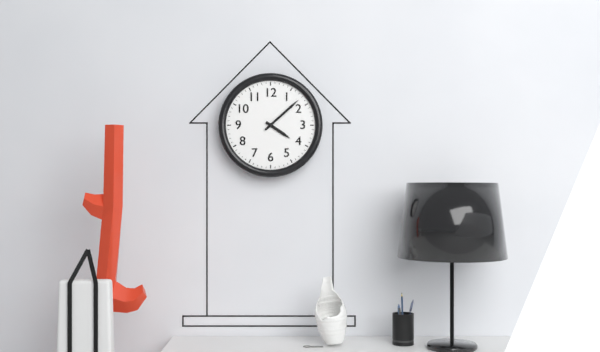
4:08
